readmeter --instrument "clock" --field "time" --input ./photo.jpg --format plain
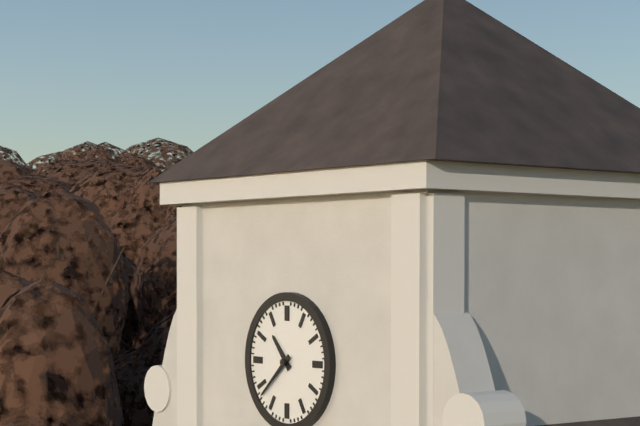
10:38
